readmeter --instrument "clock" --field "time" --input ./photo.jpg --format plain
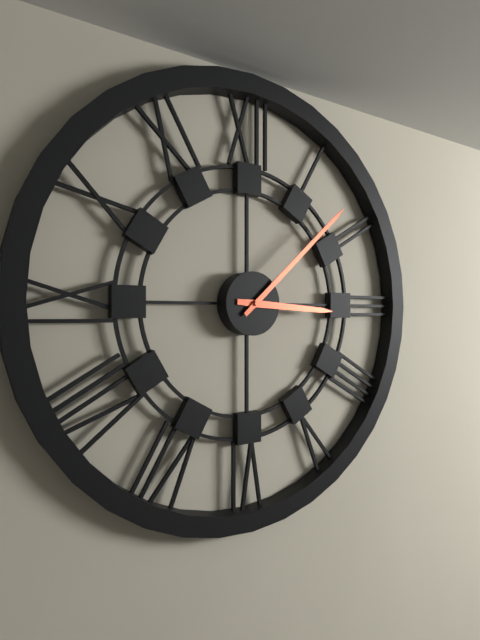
3:08
